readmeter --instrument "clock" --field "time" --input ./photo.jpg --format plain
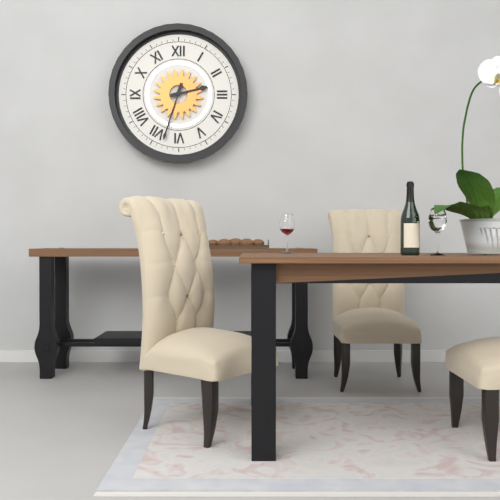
2:33
